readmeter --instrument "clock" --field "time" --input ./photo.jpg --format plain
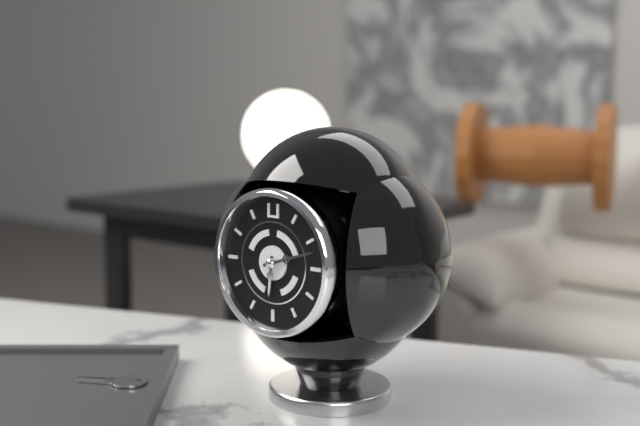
6:12
